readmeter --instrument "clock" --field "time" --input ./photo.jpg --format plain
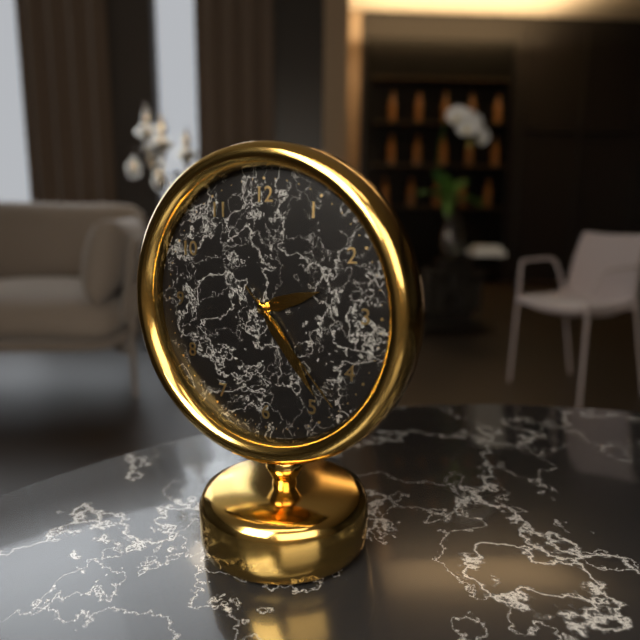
2:24:23
